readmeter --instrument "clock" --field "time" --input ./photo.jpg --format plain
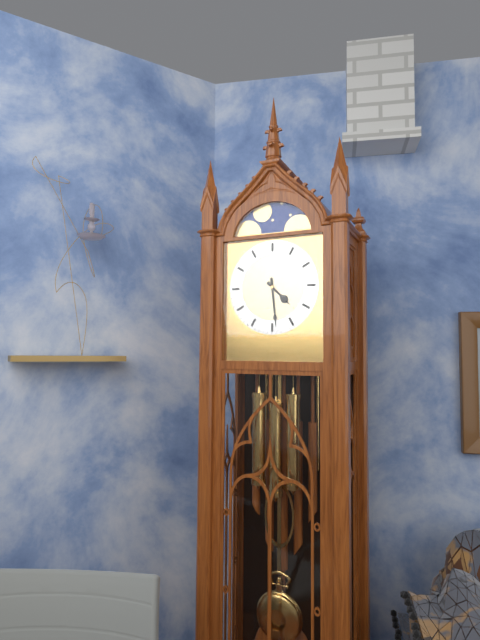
4:29
